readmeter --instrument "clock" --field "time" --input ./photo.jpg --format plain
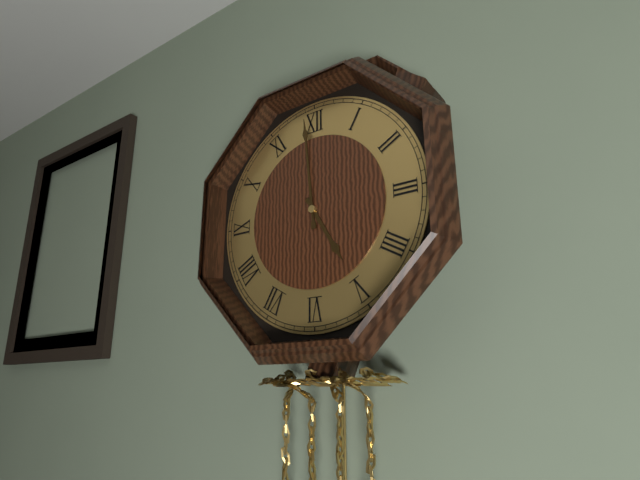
4:59
